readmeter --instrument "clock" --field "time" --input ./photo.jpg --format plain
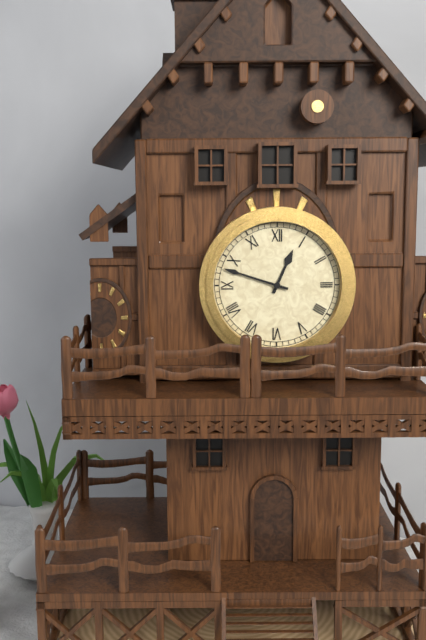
12:48
